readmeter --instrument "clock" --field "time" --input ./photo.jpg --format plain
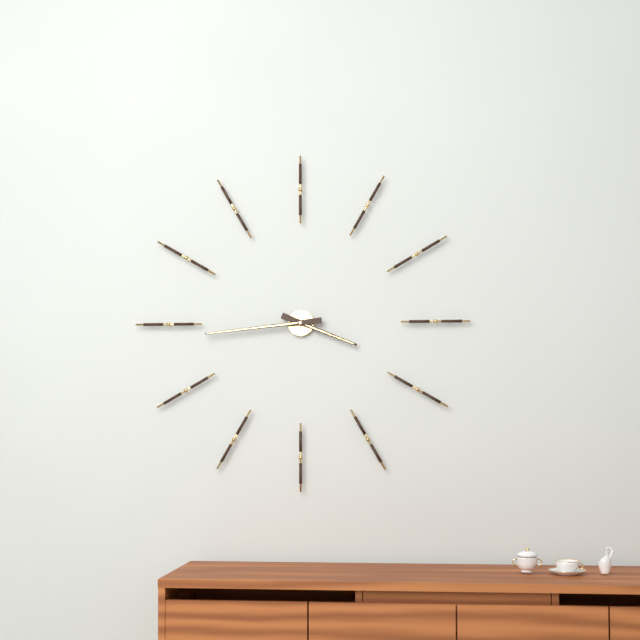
3:44
